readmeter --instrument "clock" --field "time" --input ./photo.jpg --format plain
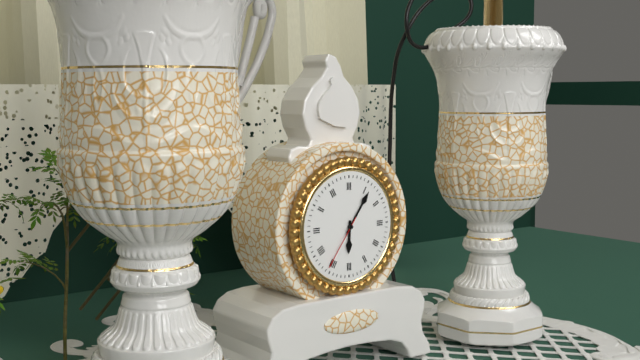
6:06:36
